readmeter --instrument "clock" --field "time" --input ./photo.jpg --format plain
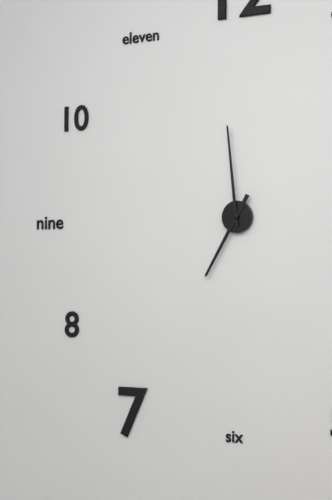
6:59
